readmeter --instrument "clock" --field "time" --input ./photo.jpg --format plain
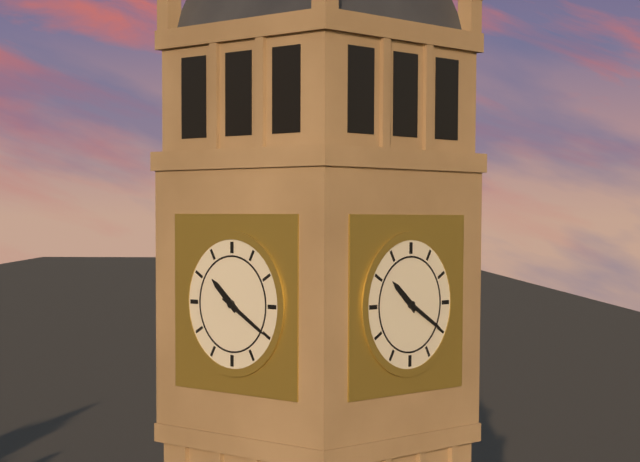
10:20
